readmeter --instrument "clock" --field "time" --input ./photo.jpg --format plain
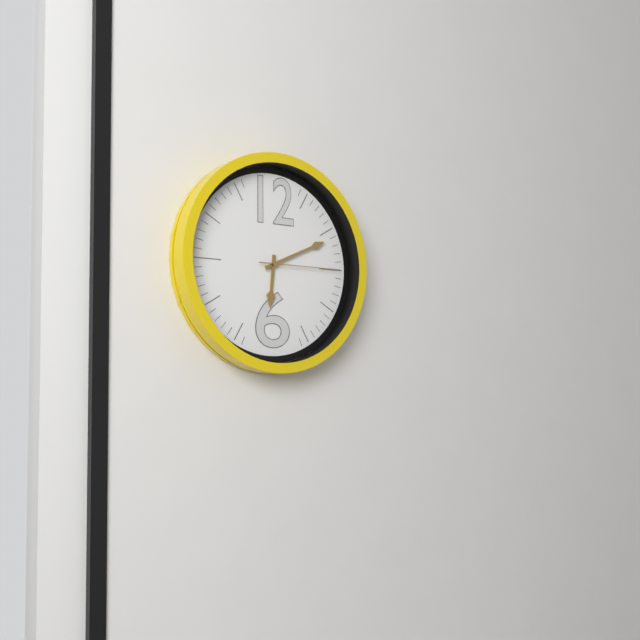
6:11:15
